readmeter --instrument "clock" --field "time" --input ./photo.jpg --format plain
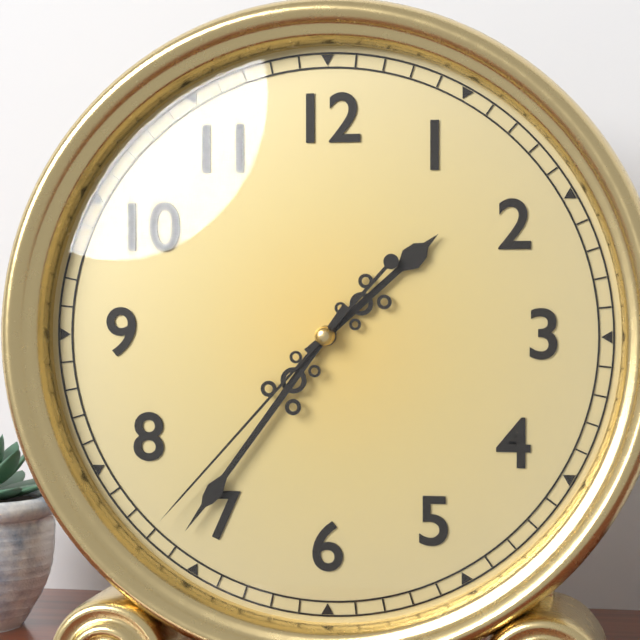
1:36:37
